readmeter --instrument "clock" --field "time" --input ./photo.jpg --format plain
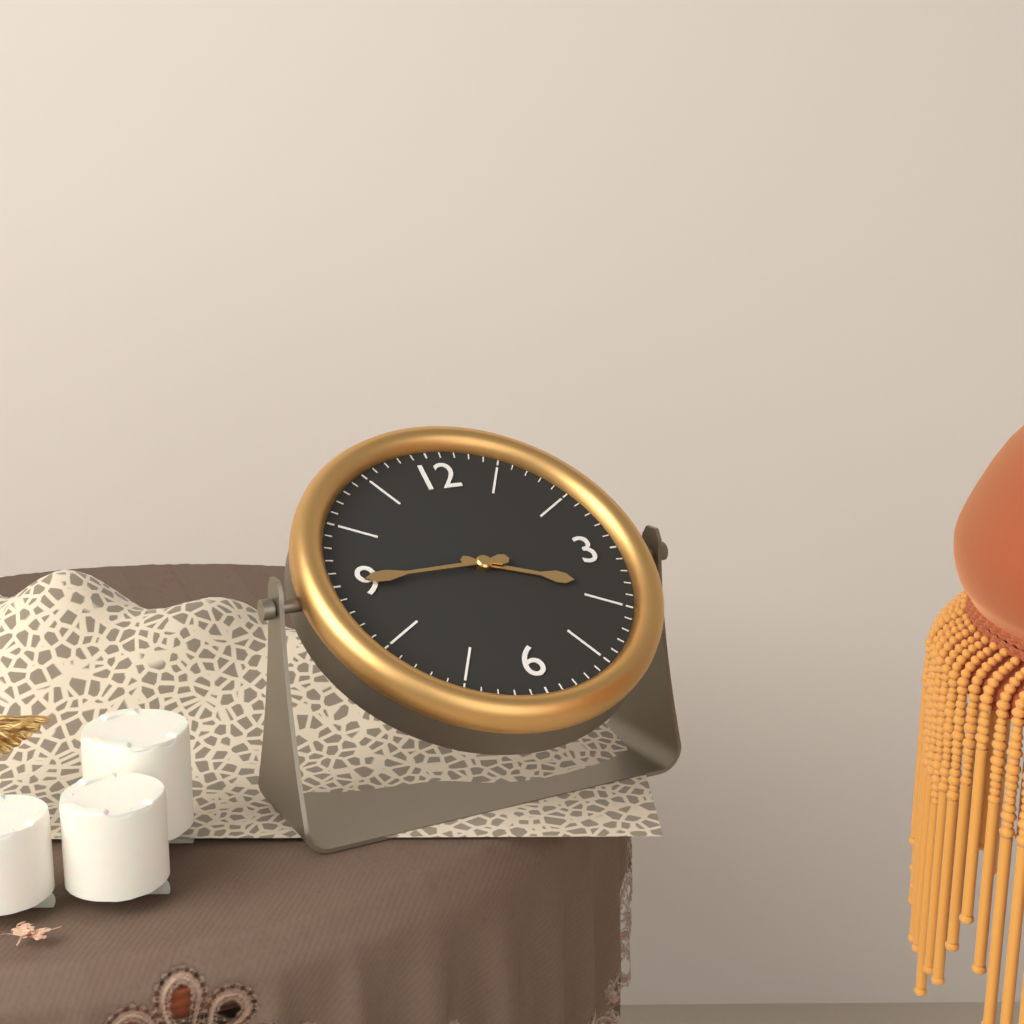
3:45
